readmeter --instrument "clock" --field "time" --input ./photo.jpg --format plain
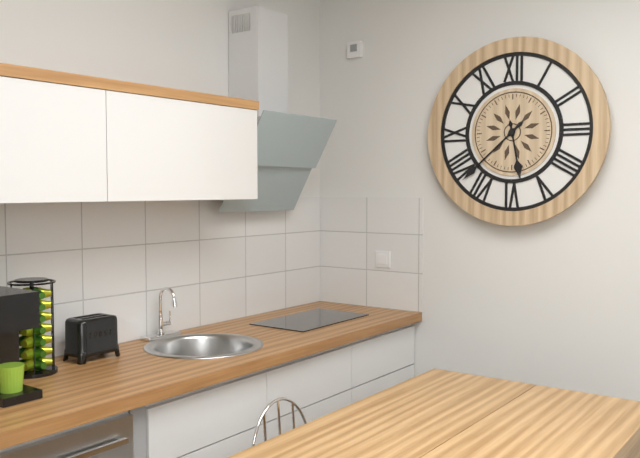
5:38
